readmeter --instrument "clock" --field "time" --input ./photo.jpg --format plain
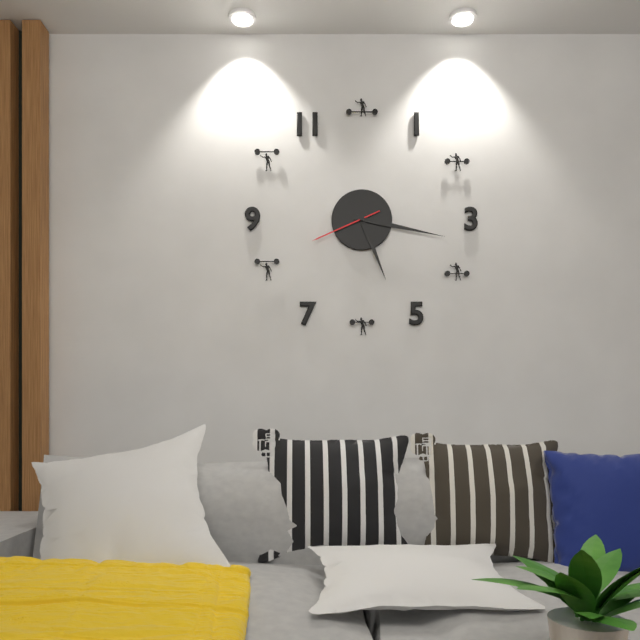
5:17:41
